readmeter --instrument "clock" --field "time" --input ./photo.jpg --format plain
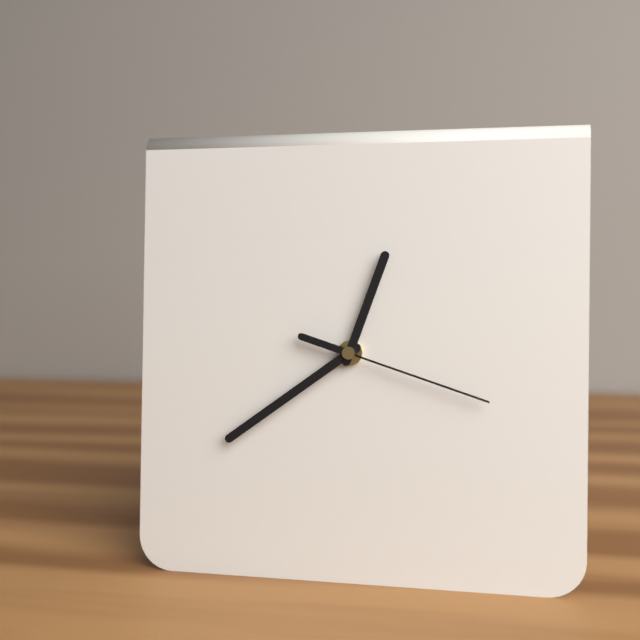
12:39:18
